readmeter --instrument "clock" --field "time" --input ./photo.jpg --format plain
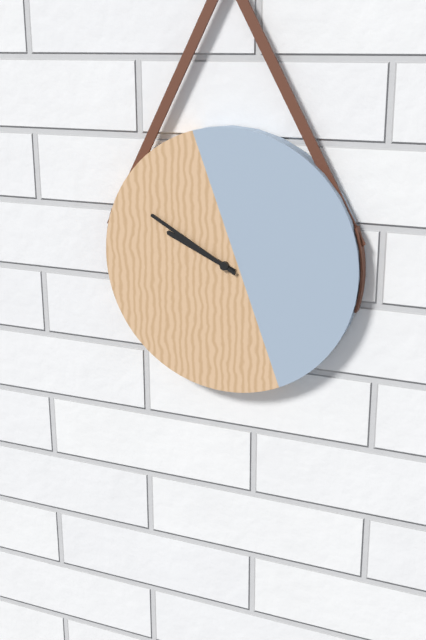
9:50
